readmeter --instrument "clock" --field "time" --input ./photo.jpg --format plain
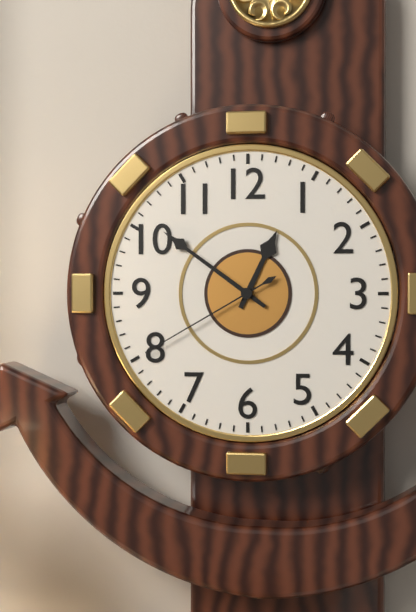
12:51:40
